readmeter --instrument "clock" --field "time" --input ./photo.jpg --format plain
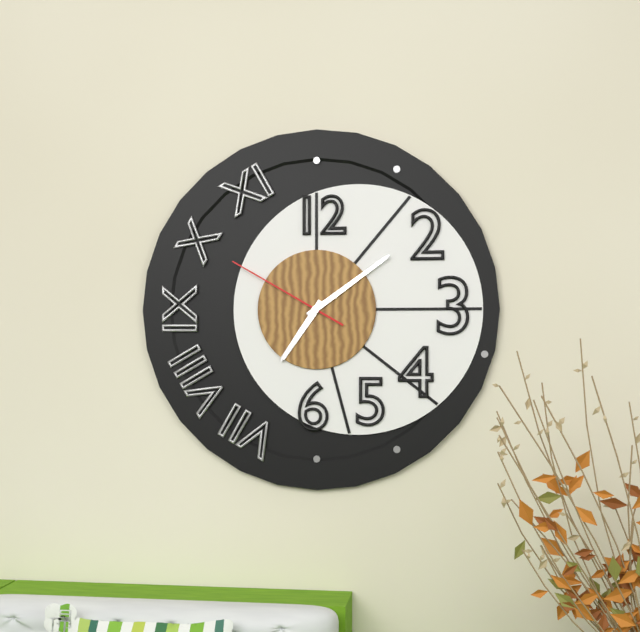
7:09:50
